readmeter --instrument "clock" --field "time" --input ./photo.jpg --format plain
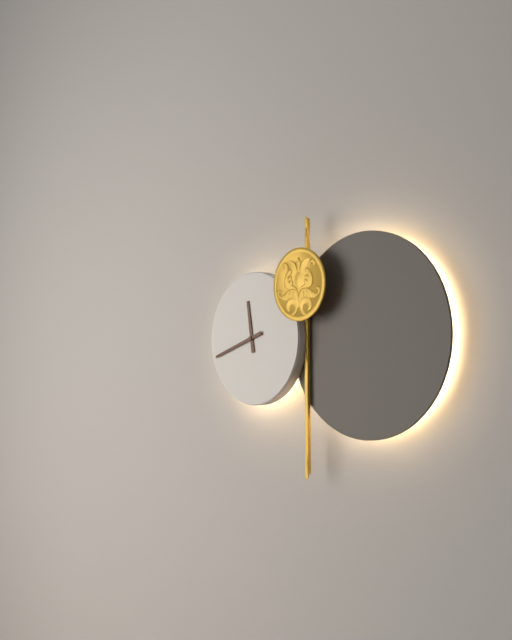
11:42
